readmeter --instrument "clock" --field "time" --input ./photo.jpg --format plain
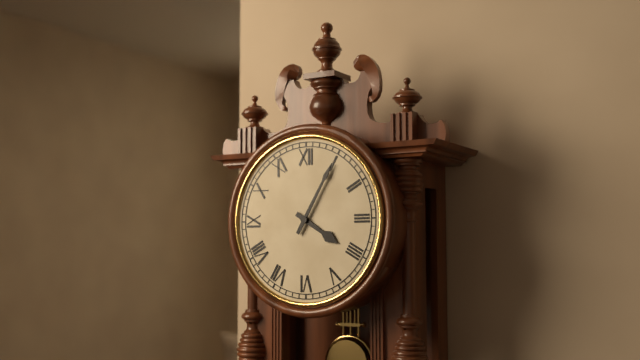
4:05
